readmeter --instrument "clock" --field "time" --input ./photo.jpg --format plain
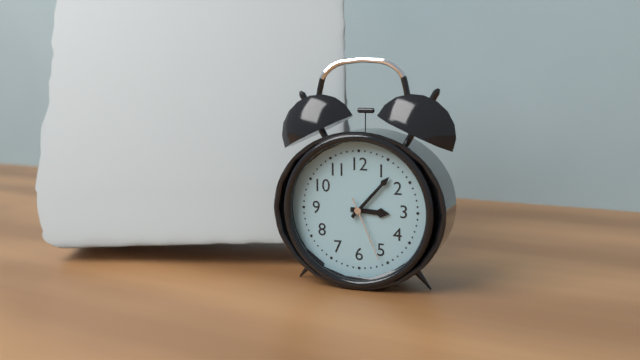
3:07:26
